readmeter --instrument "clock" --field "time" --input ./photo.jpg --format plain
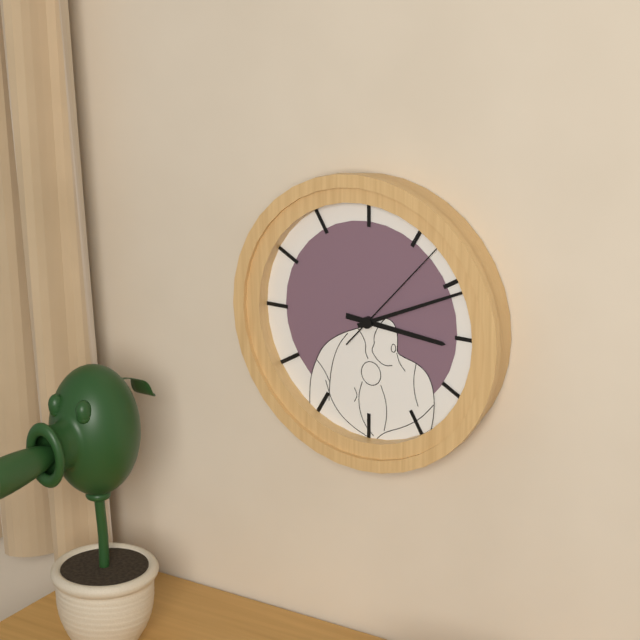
3:11:07
